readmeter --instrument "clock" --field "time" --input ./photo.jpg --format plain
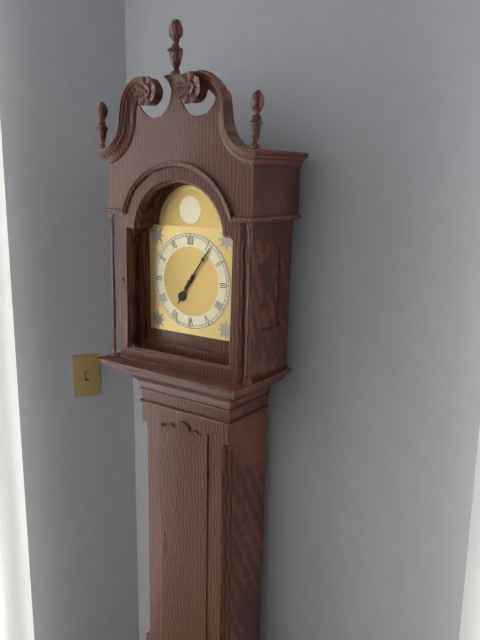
7:06
